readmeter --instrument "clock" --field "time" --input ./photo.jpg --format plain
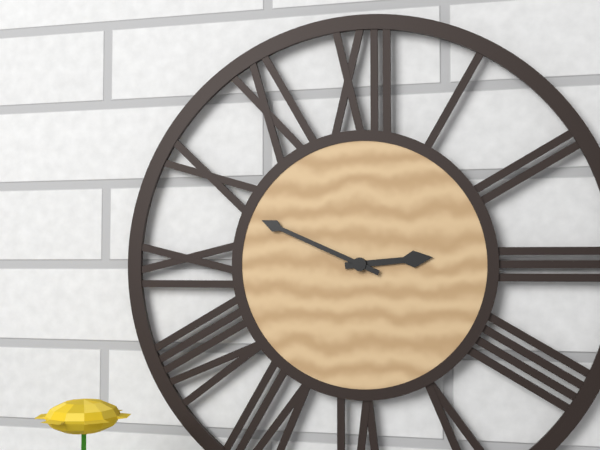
2:49
